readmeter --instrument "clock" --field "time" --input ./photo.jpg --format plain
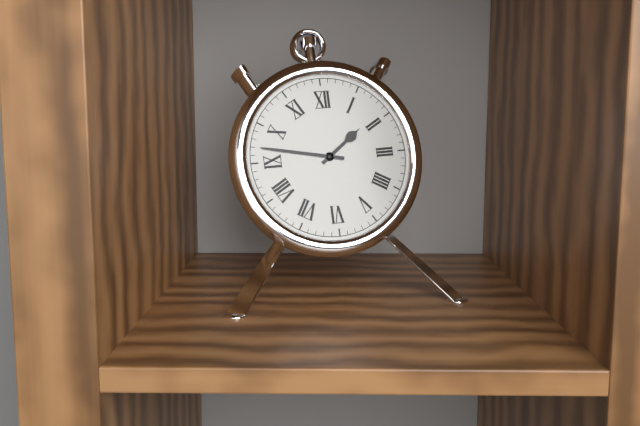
1:47
